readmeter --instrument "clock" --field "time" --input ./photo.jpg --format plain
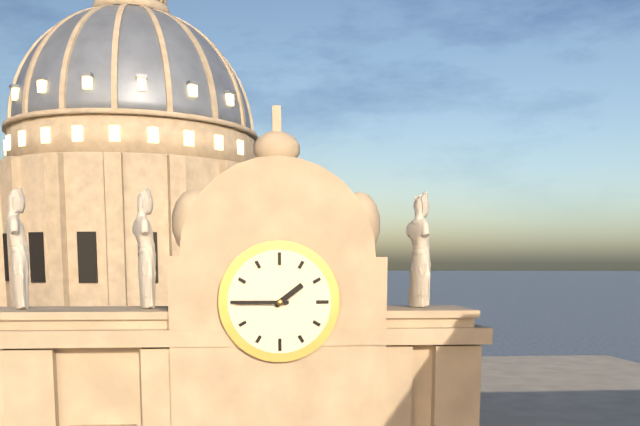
1:45
